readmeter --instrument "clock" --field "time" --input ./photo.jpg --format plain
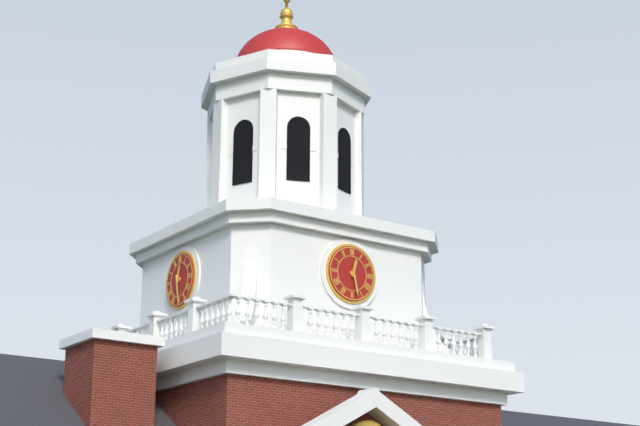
12:28
